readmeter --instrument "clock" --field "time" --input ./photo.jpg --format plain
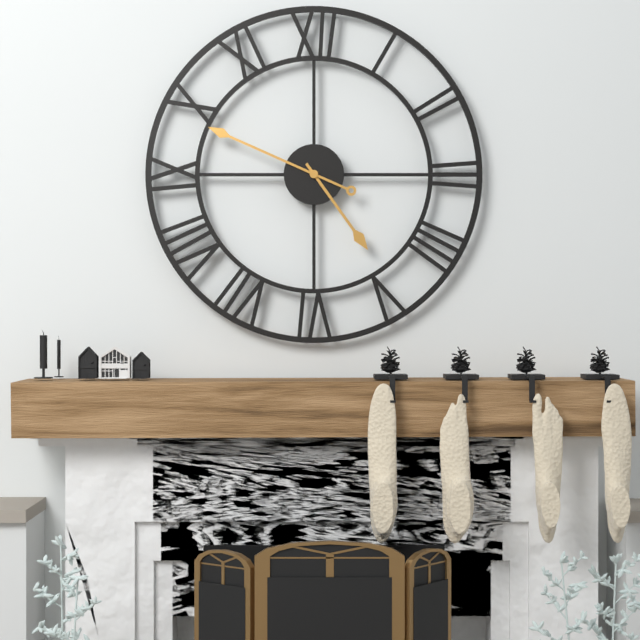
4:49
